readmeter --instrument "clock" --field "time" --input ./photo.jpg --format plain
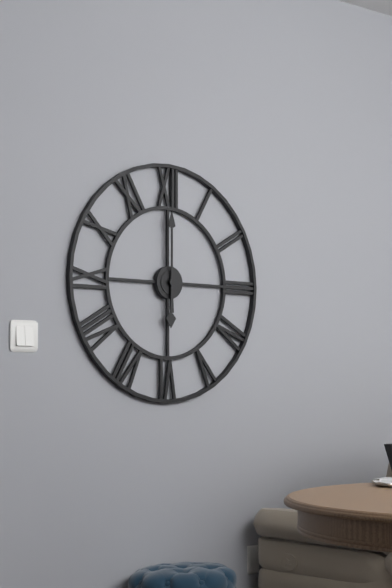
6:00
